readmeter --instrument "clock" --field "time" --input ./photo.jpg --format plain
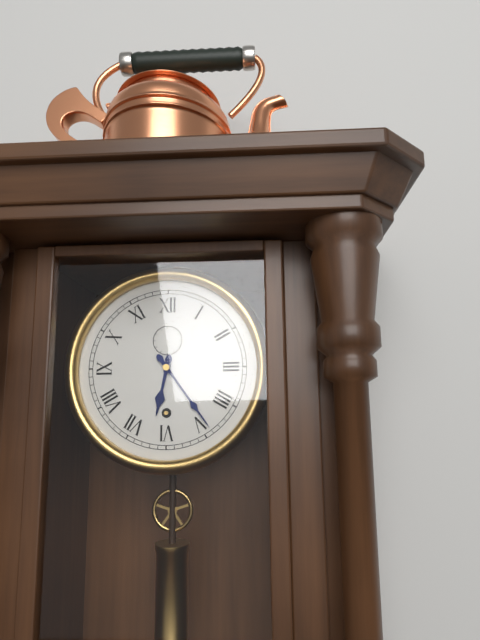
6:24
